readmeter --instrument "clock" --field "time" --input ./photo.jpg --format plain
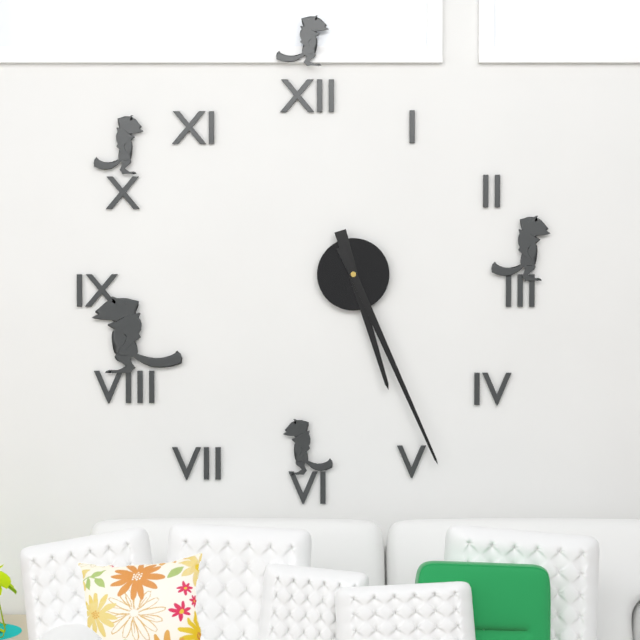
5:26
